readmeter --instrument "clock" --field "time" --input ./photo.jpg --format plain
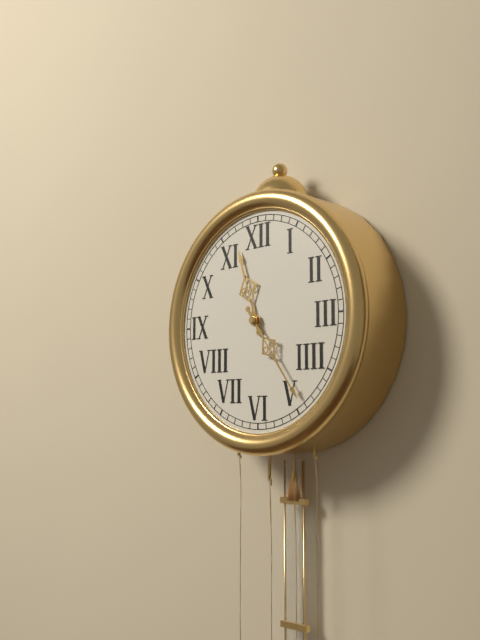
11:24
